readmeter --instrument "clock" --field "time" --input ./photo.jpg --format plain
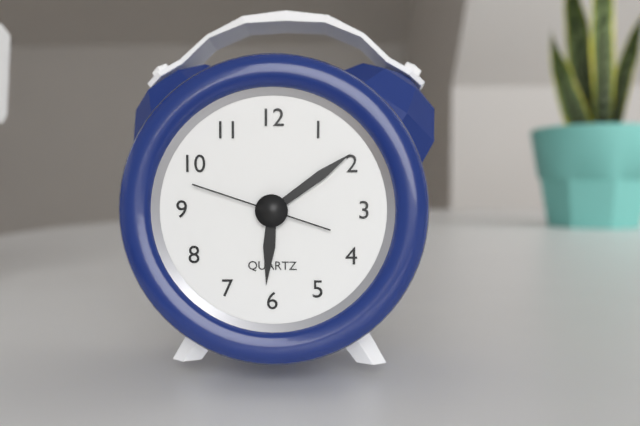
6:09:48
